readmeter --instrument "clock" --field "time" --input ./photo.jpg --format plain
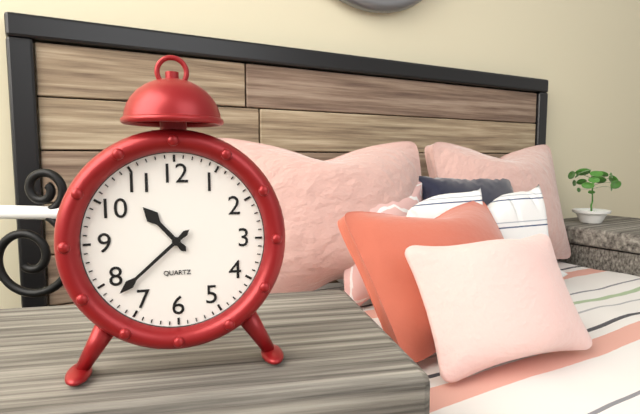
10:38
